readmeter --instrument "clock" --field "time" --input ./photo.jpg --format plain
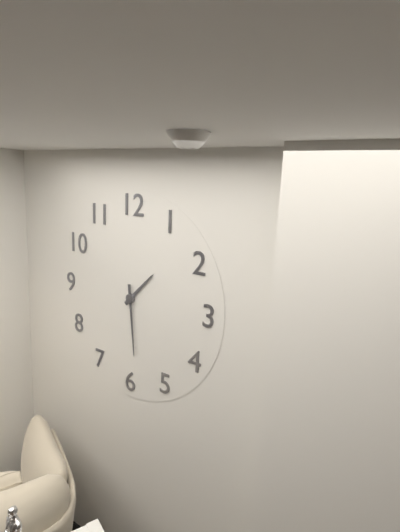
1:29
